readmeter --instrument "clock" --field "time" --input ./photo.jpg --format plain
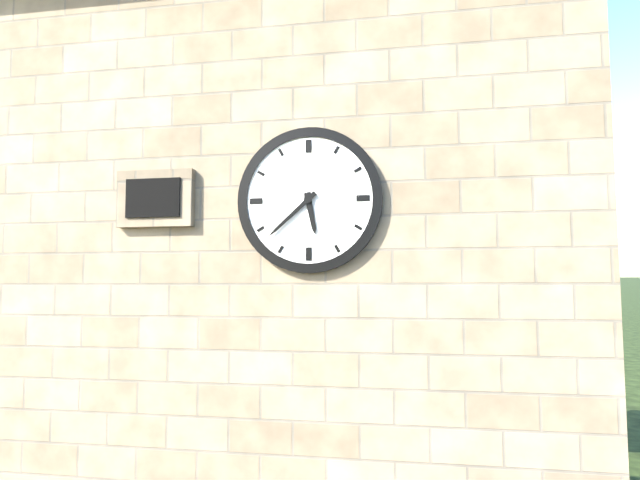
5:38
